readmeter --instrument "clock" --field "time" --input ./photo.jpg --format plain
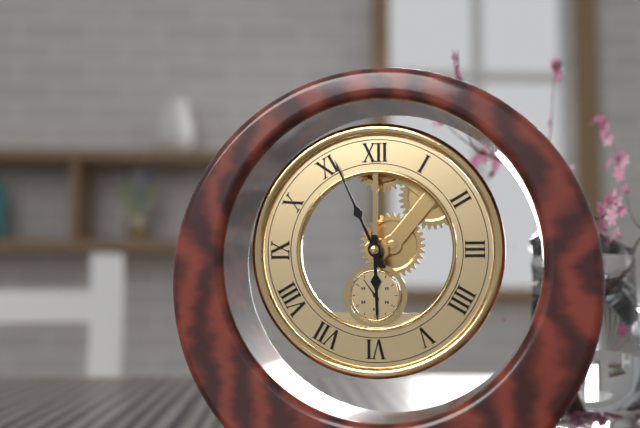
5:56
